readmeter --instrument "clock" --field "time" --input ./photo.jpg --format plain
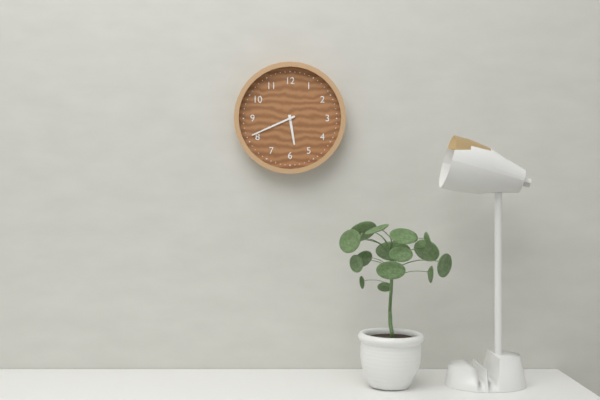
5:41
